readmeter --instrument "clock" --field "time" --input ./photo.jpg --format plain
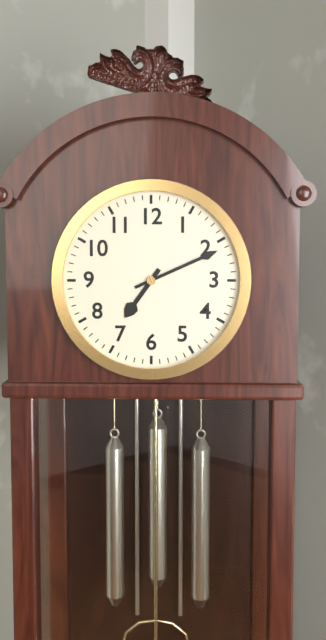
7:11
